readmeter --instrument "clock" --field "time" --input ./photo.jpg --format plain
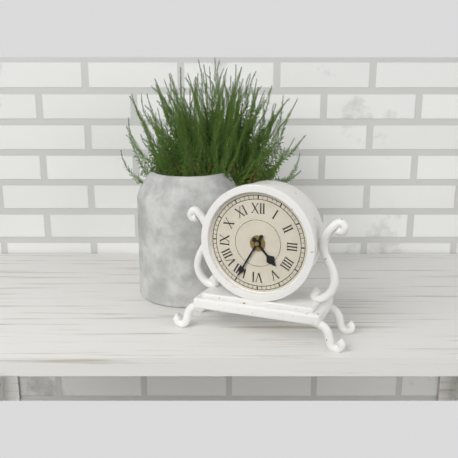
4:35
